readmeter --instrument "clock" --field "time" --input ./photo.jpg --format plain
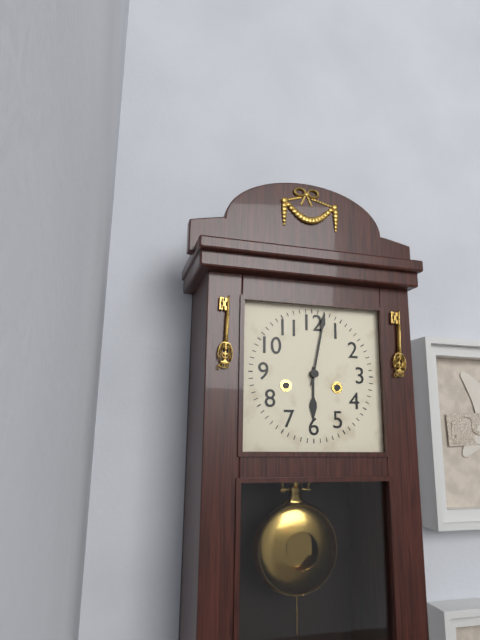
6:02
